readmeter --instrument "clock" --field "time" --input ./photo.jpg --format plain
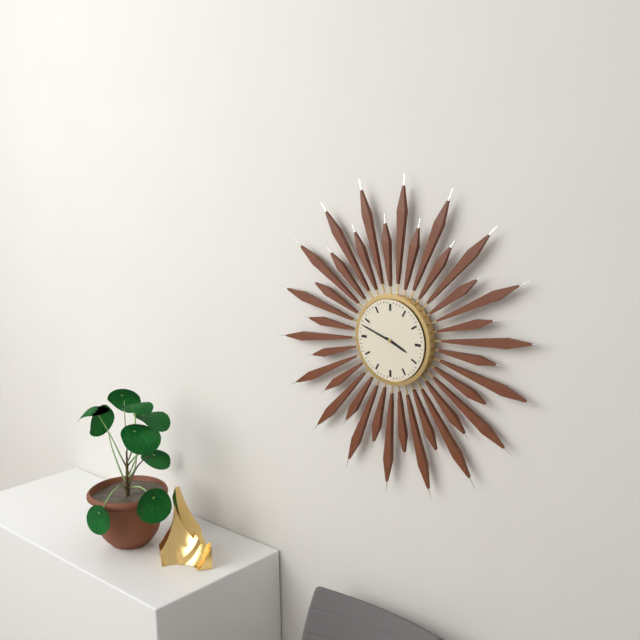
3:48
